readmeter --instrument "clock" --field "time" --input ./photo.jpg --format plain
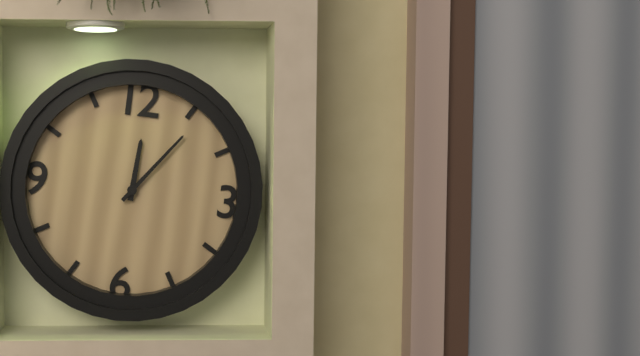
12:06
